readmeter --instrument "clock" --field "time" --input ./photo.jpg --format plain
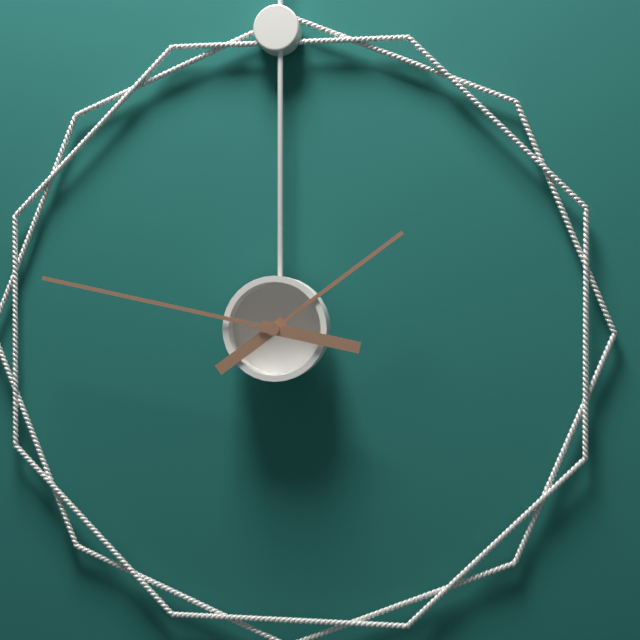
1:47
